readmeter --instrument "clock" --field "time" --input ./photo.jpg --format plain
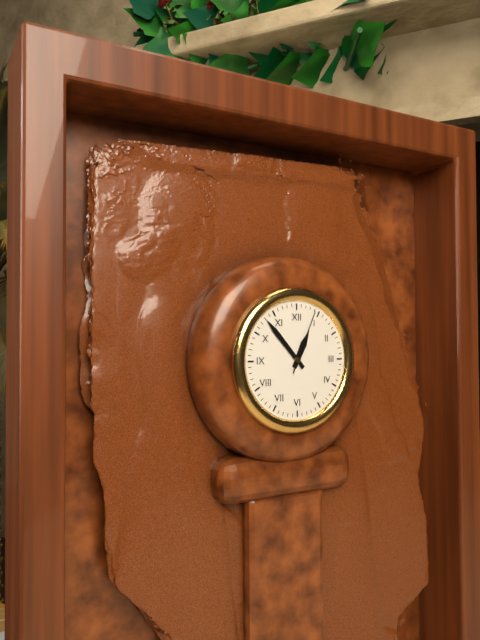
12:53:04
